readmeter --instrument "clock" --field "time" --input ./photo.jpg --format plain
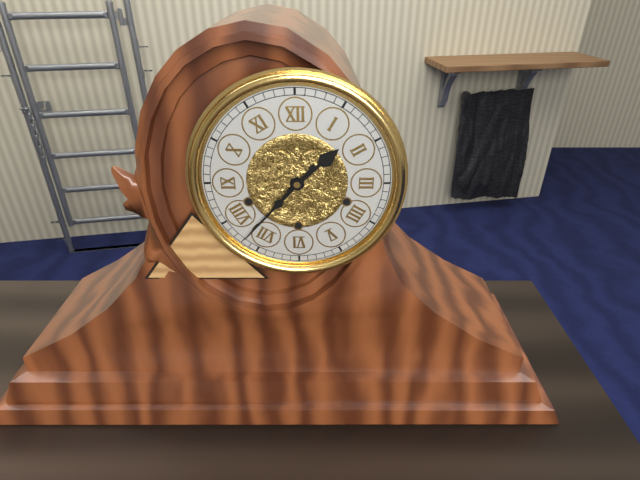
1:37
